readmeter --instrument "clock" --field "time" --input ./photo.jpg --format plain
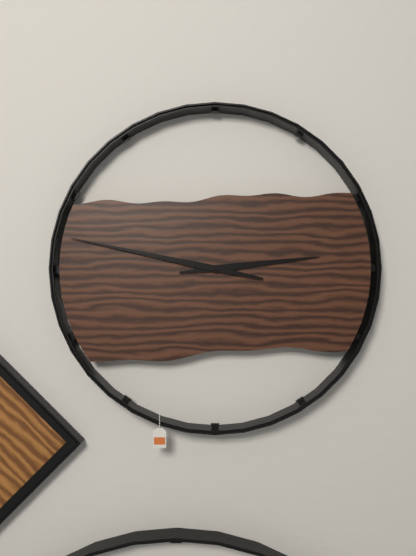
2:47
